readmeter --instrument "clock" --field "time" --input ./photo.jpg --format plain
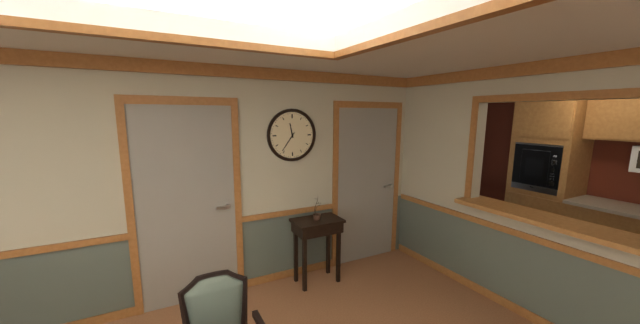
11:36
